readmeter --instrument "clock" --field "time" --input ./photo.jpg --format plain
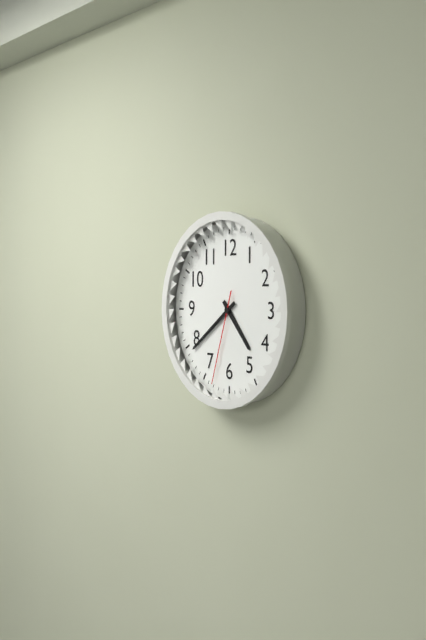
4:39:33
